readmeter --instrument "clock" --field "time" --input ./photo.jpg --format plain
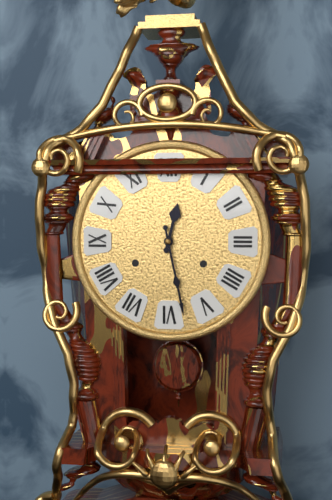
12:28
